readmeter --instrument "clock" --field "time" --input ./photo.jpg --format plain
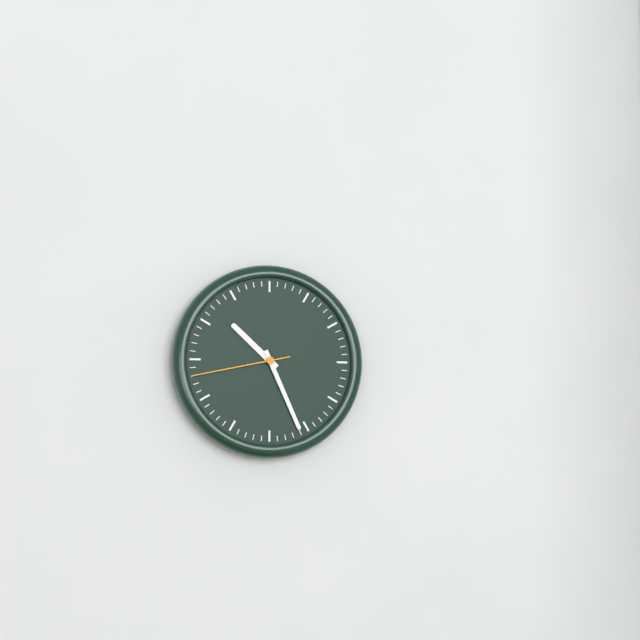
10:26:43
